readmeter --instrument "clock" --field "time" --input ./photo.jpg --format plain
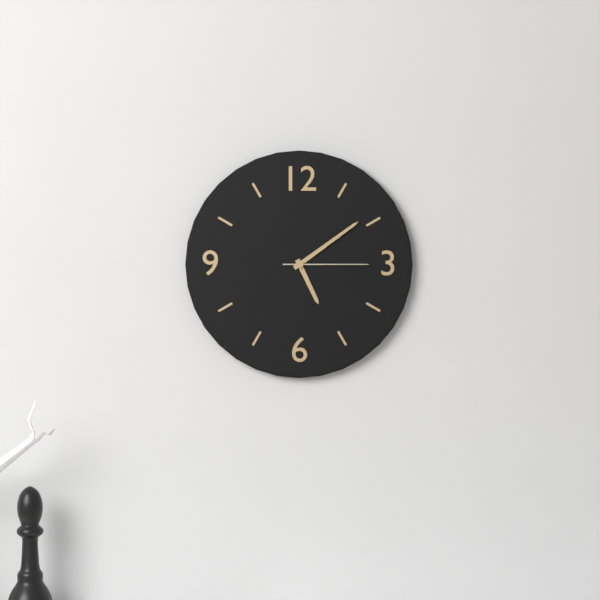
5:09:15
